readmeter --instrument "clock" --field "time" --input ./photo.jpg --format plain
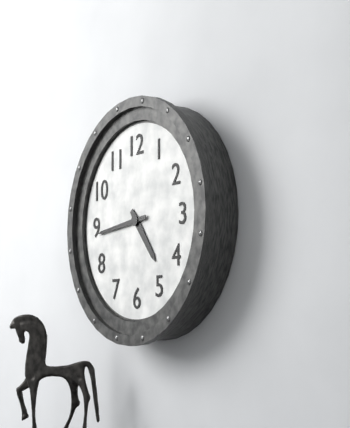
4:44
